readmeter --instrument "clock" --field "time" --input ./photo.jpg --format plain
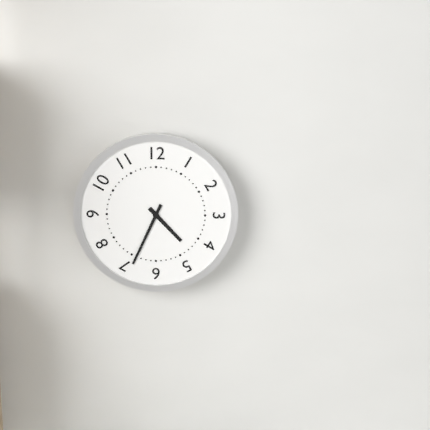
4:34
